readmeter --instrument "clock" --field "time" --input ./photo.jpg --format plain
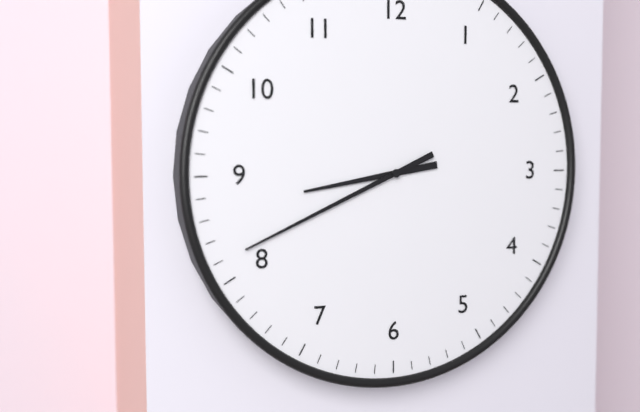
8:41
